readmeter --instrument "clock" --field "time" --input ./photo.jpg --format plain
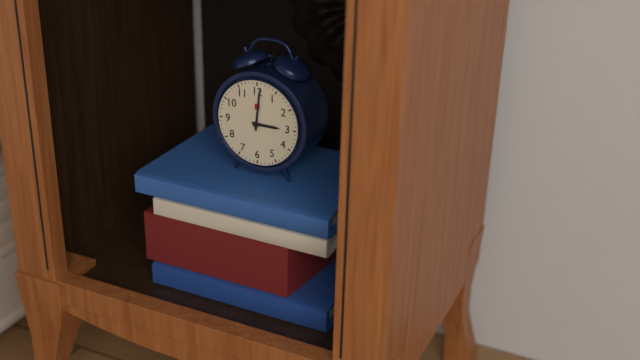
3:01
